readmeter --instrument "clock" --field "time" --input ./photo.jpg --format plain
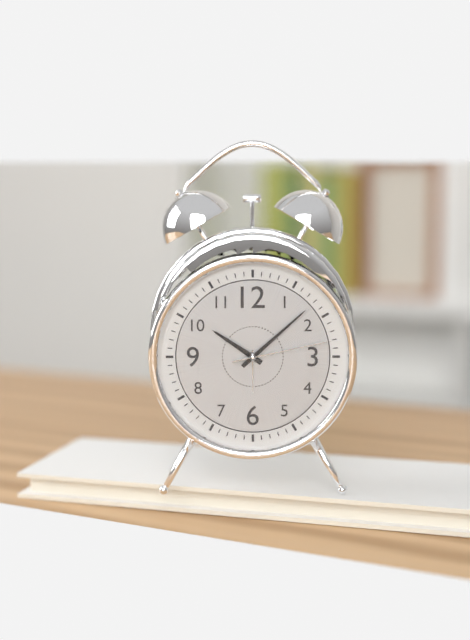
10:08:13
